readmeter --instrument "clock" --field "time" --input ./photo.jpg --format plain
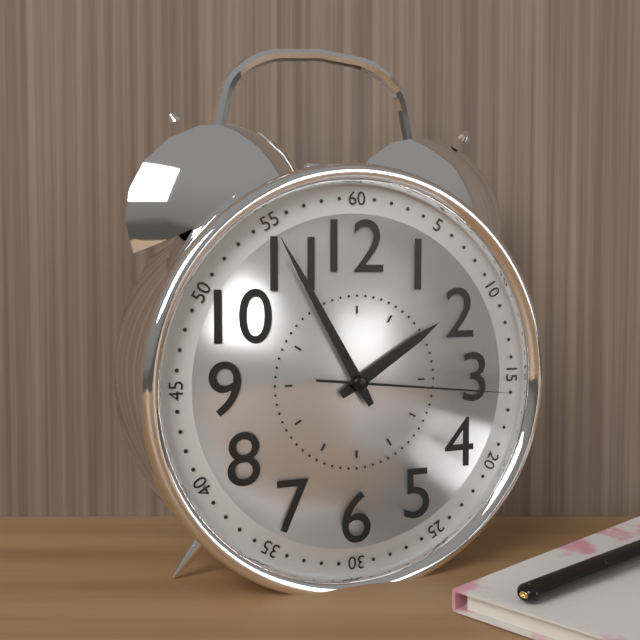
1:55:16
